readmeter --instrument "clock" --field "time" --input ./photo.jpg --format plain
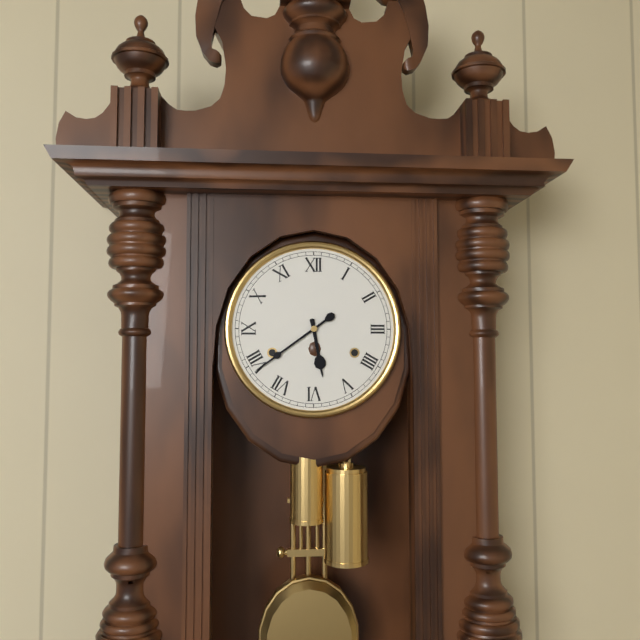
5:39
